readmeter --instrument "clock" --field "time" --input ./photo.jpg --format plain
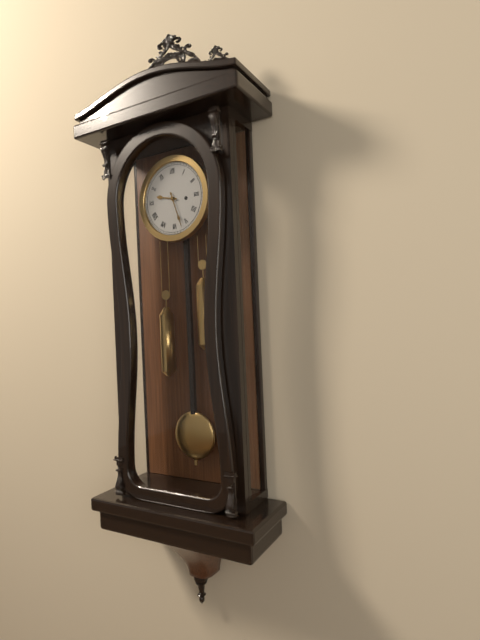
9:27
